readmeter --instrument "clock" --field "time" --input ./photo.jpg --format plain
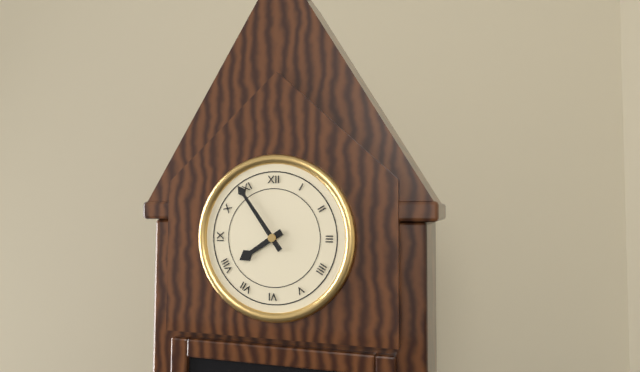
7:54
